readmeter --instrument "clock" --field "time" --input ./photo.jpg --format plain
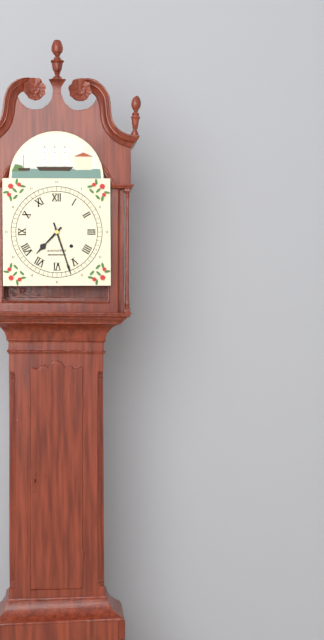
7:27
